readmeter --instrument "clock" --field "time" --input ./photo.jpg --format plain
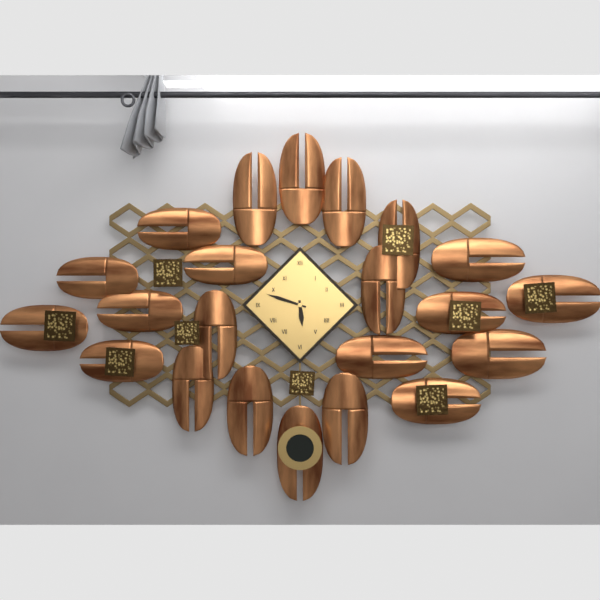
5:48
